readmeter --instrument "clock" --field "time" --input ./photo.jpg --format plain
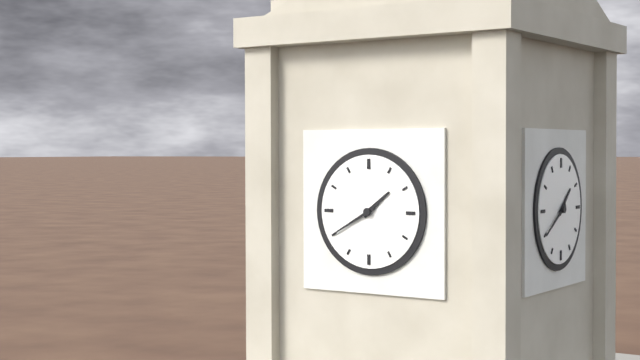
1:40
